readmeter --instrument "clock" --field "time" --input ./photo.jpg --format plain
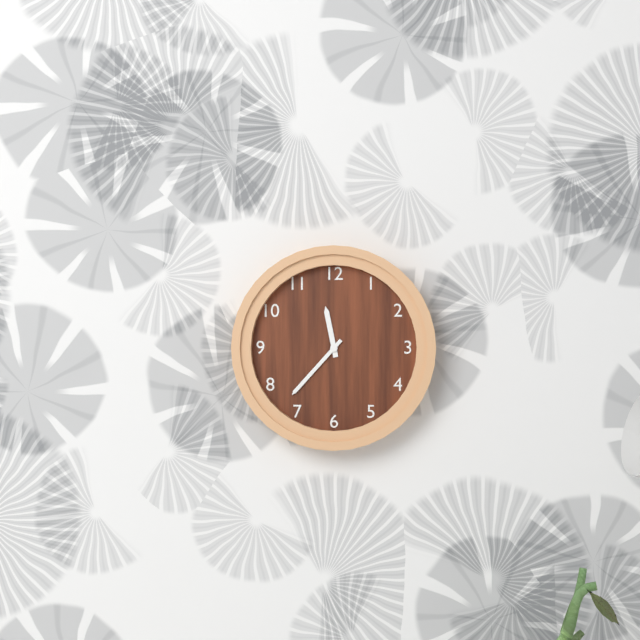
11:37
